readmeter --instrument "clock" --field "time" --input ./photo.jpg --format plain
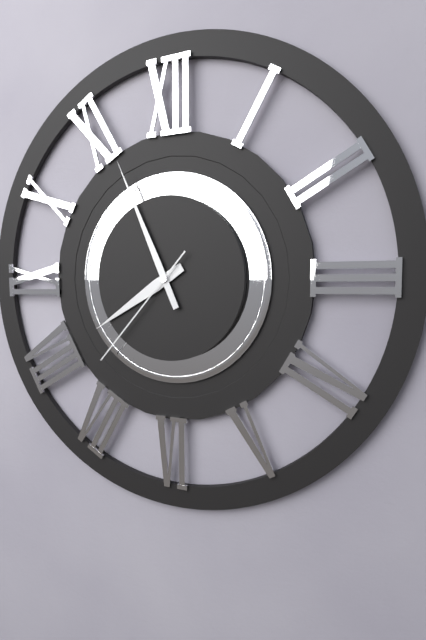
7:56:37
